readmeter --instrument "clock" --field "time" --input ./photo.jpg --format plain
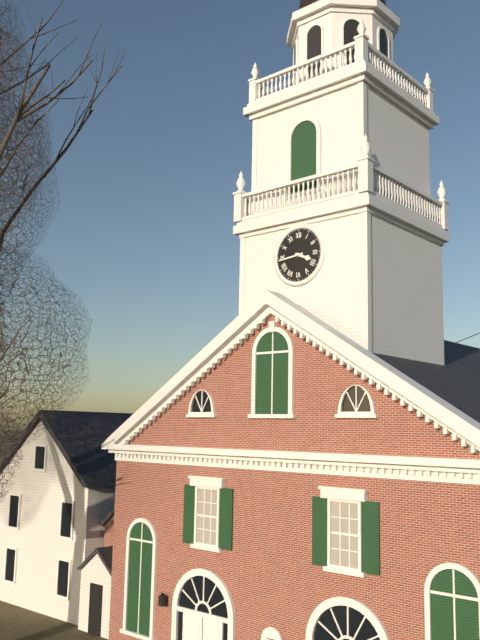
3:44
